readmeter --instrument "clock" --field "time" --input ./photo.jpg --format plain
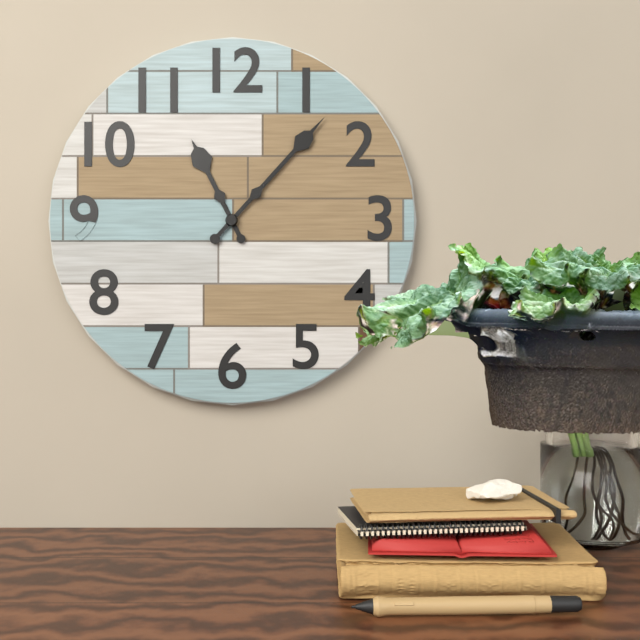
11:07
